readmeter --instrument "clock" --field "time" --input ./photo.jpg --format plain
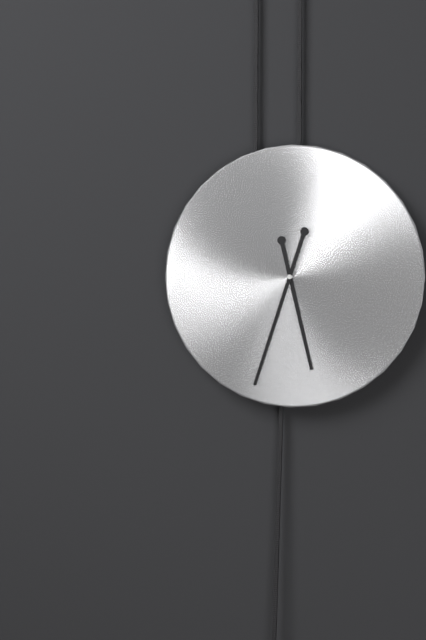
5:33
